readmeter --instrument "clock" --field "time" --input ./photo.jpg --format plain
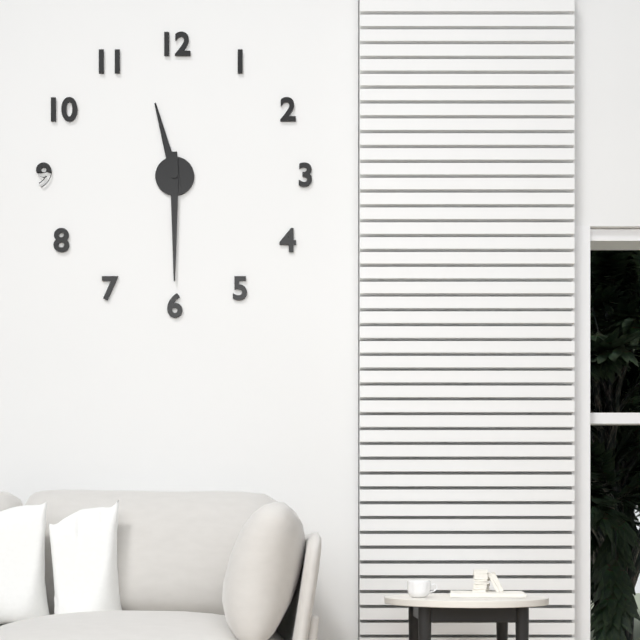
11:30
